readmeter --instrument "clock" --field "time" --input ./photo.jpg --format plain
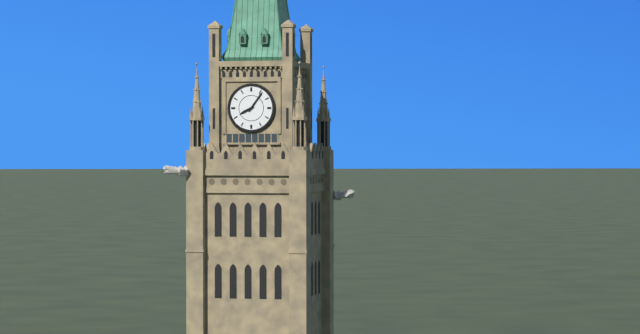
8:06
